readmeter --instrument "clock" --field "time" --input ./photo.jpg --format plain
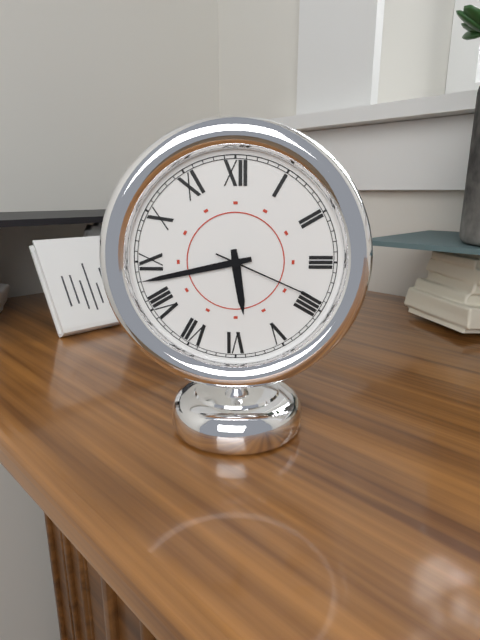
5:43:19
